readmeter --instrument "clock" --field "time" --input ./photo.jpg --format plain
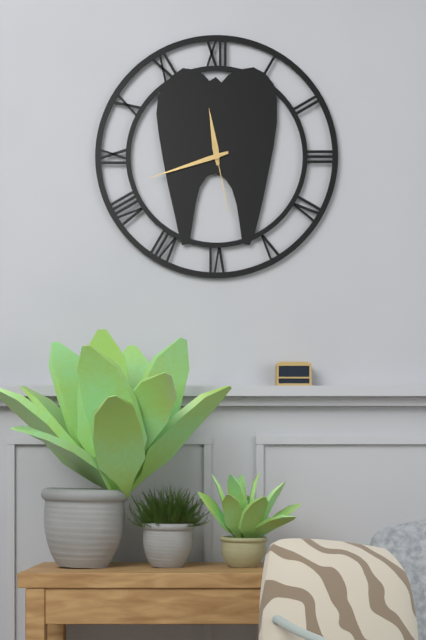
11:42:28
